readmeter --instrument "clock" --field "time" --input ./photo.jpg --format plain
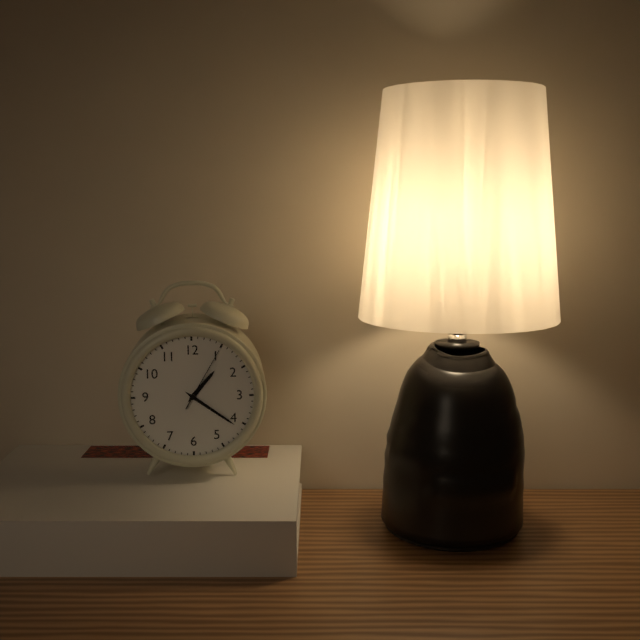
1:21:05
